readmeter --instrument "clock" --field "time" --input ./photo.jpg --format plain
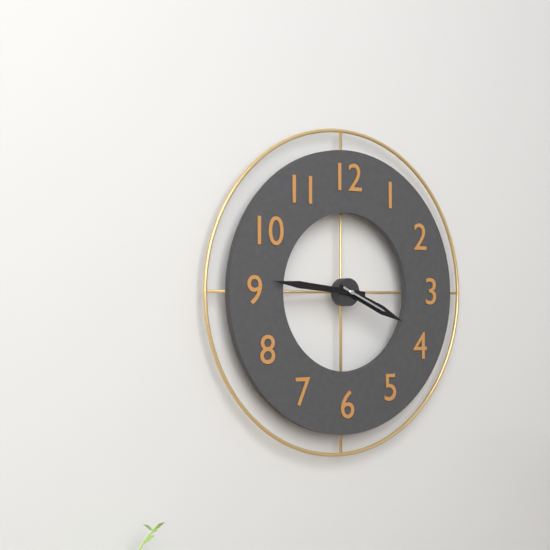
3:46
